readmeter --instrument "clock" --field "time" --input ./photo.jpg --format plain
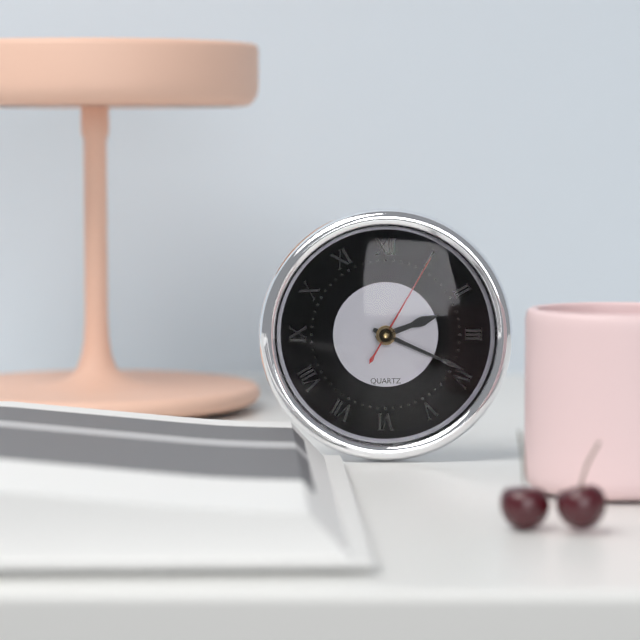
2:19:05
